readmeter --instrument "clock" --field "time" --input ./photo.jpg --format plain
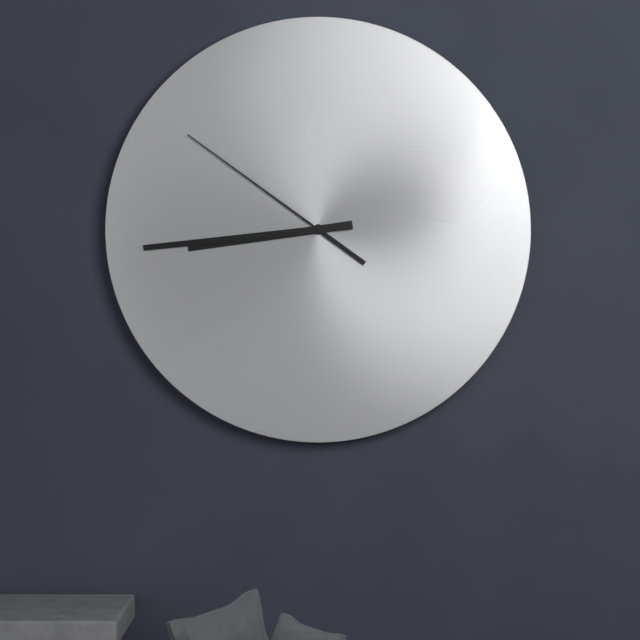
8:44:51
